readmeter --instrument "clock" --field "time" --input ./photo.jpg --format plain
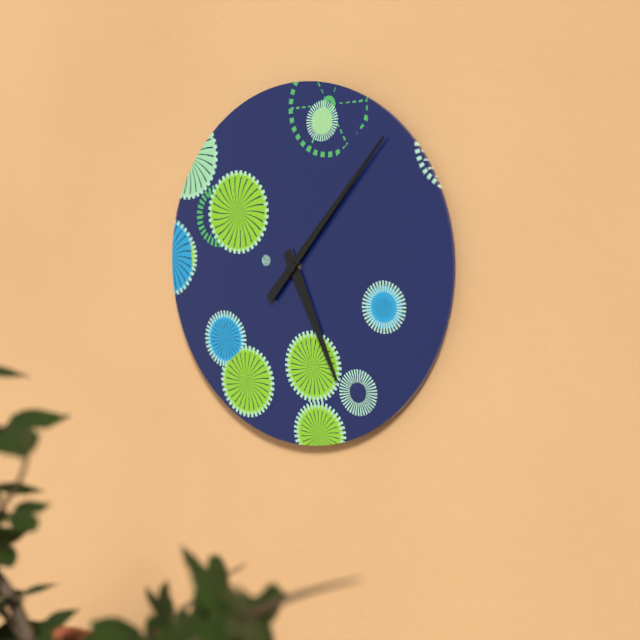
5:07
